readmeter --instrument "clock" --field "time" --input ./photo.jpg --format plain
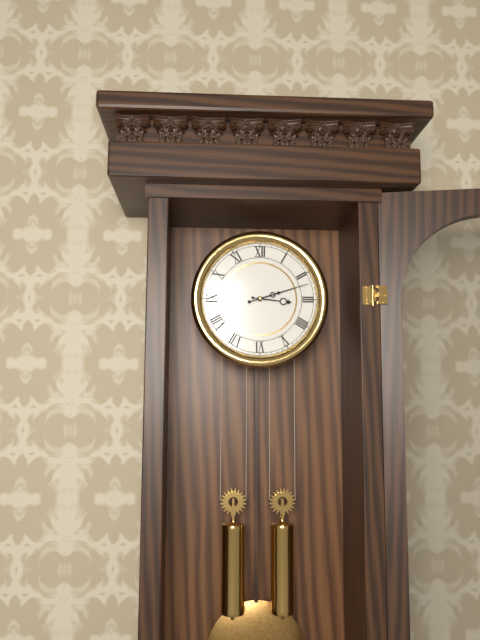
3:12
